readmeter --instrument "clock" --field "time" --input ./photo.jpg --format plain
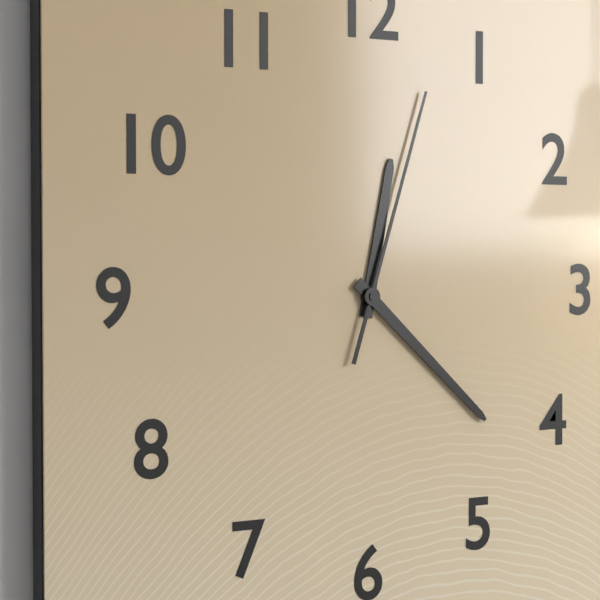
12:22:03
